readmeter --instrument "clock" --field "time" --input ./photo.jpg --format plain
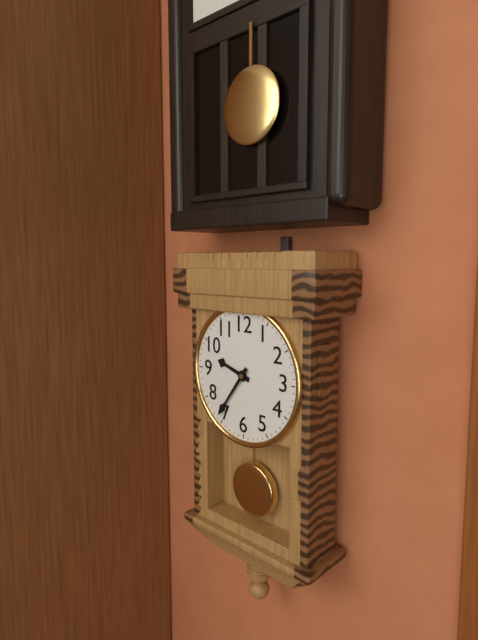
9:36
